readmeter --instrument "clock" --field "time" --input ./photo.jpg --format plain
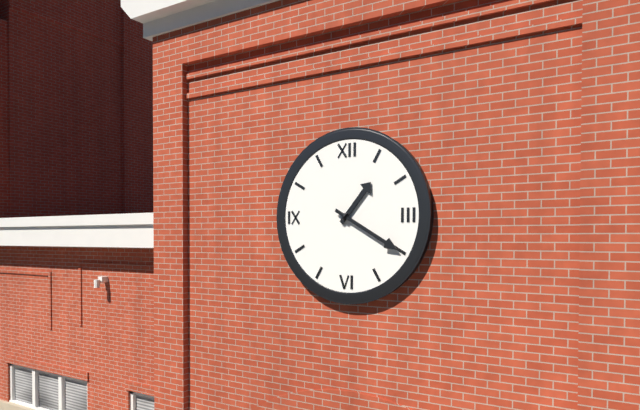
1:20
